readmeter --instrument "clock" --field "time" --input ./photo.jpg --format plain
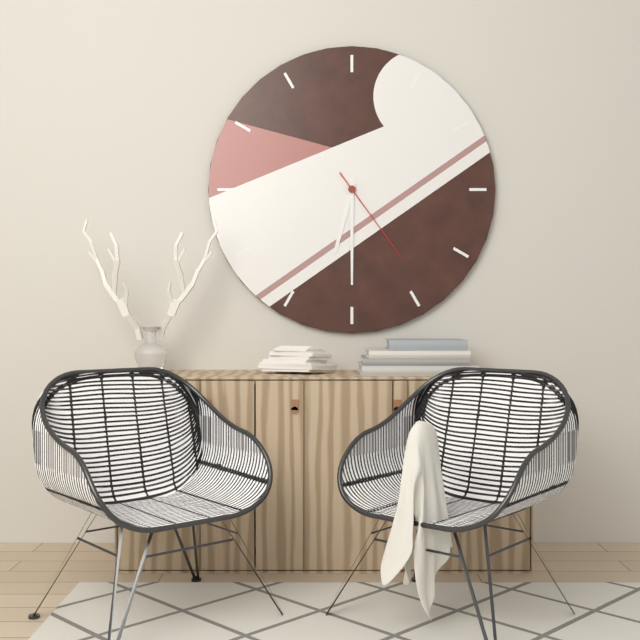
6:30:24
